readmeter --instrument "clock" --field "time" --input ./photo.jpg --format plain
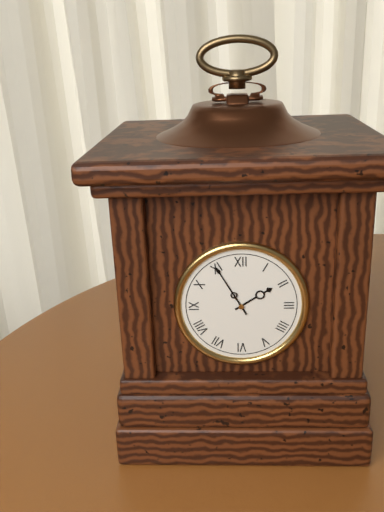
1:55
